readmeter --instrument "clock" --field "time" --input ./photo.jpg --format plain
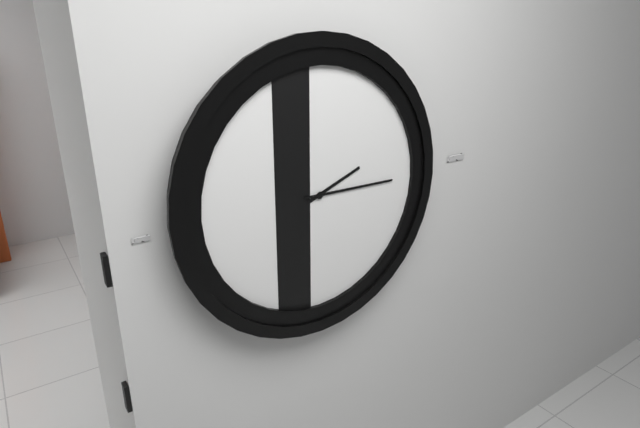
2:15
